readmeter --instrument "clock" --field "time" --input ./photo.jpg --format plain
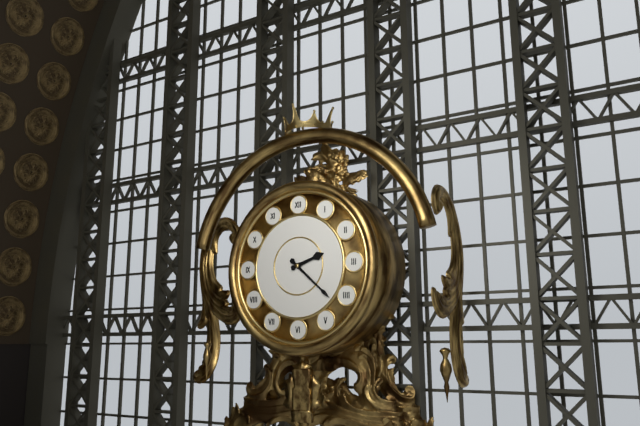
2:22
